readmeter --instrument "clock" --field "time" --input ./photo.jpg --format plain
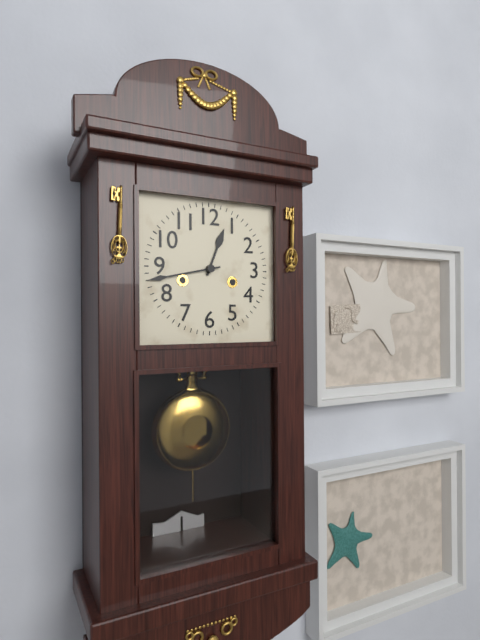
12:43
